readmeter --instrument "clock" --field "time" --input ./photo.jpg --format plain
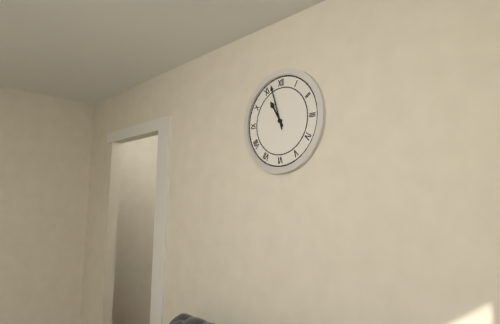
10:57
